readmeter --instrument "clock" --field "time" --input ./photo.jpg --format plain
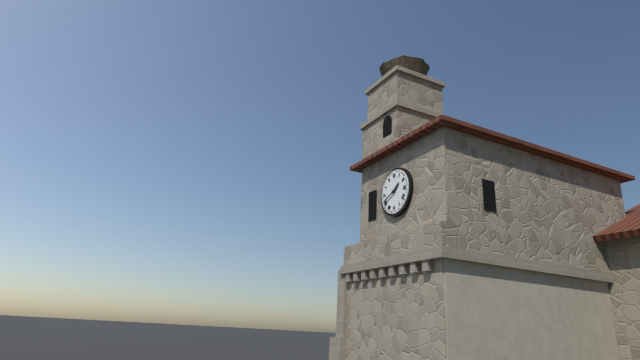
1:41
